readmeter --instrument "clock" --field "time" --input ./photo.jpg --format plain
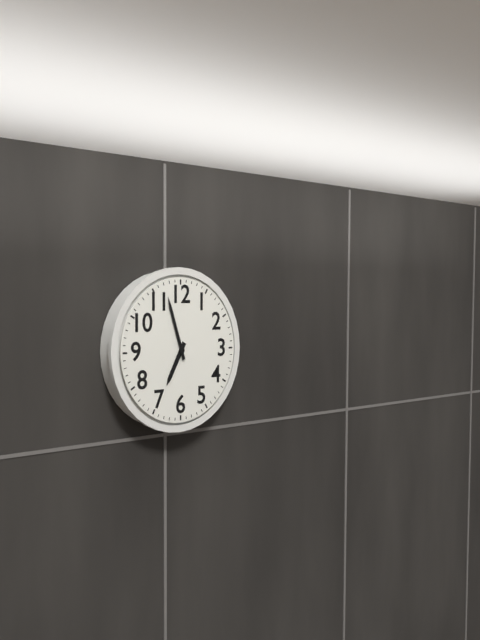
6:57
